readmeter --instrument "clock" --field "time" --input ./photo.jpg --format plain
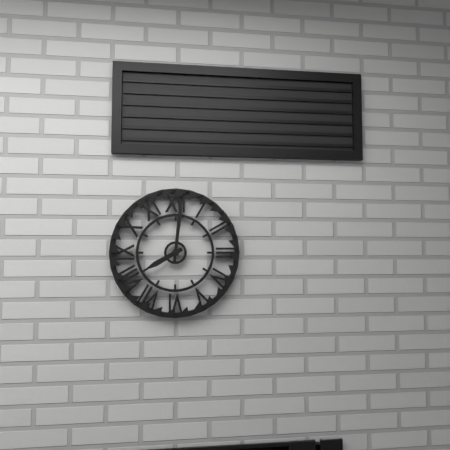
8:01
